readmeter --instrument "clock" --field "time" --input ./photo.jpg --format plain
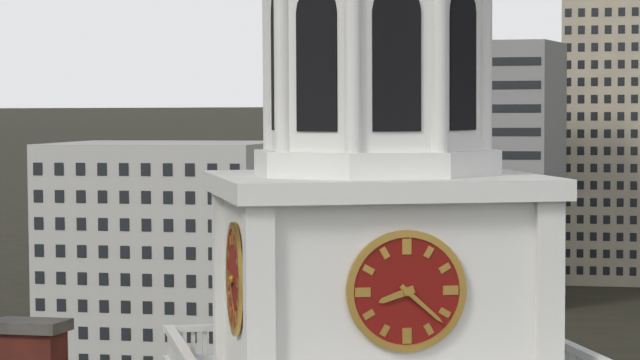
8:22
